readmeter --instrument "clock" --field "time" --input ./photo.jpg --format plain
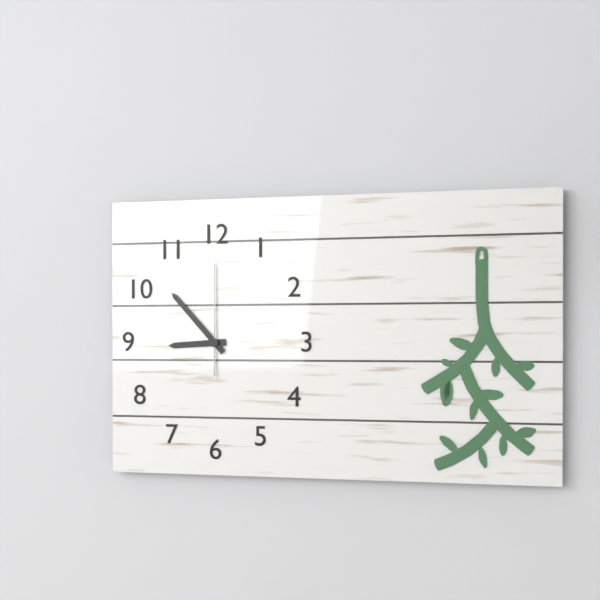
8:53:00
